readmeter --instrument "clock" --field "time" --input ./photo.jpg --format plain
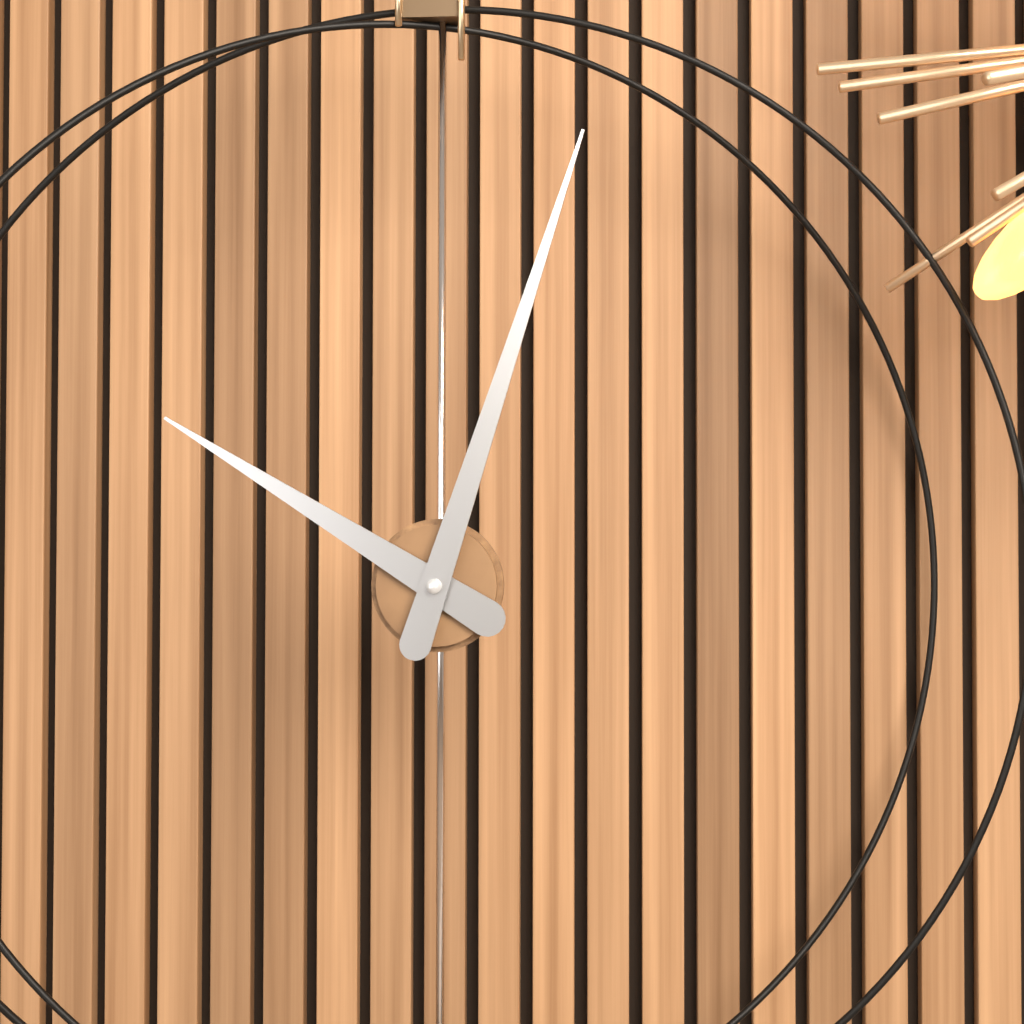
10:03
